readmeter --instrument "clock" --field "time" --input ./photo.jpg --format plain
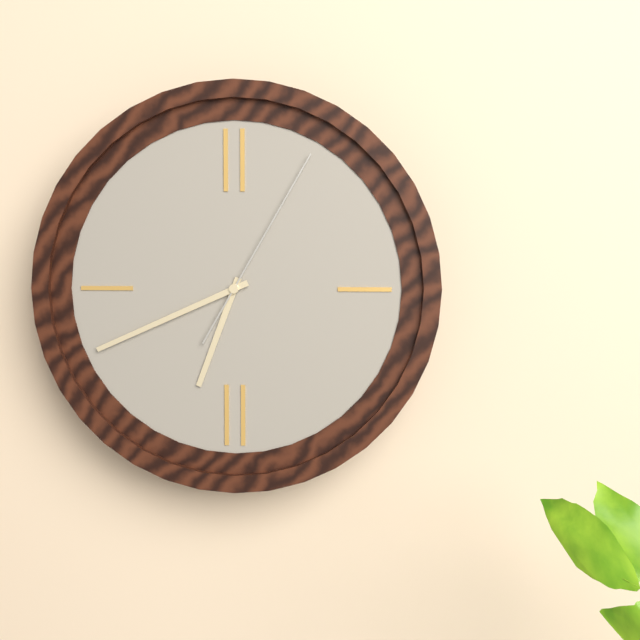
6:41:05
